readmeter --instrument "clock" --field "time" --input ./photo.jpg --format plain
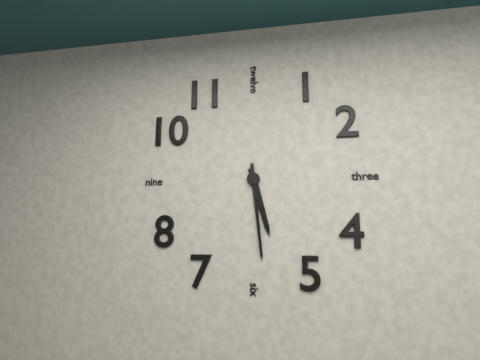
5:29
